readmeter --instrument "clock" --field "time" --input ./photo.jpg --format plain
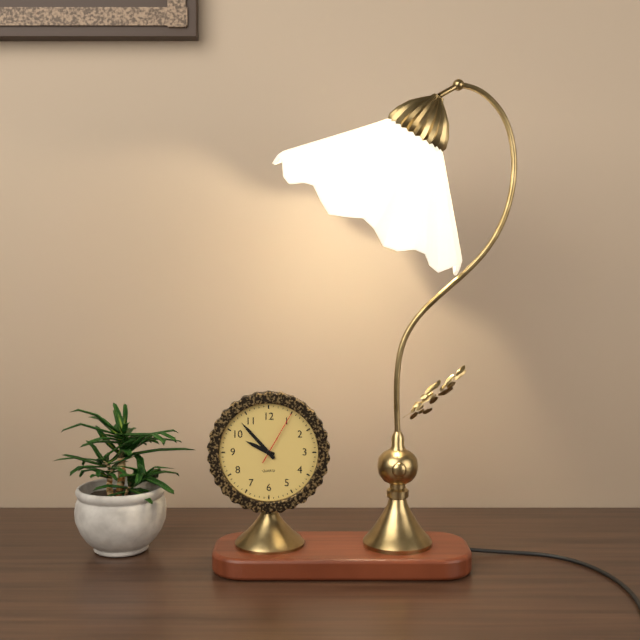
9:53:05
